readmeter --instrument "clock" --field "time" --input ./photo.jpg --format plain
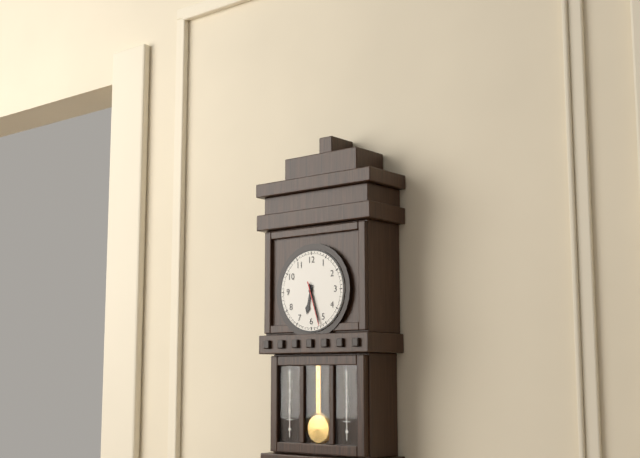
6:27
